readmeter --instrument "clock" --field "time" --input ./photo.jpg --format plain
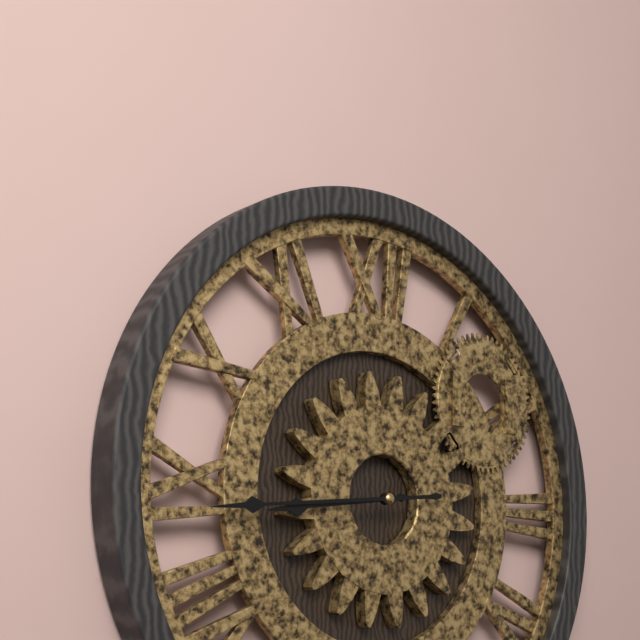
8:44
